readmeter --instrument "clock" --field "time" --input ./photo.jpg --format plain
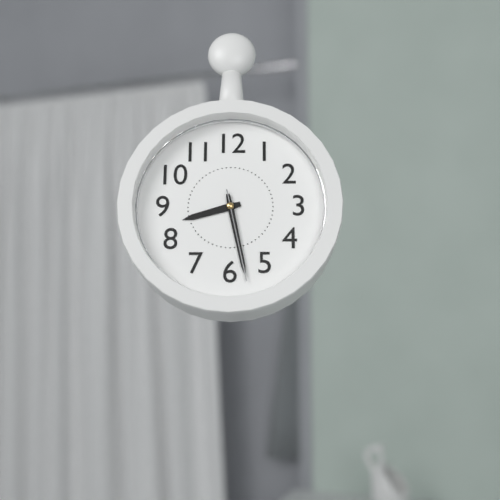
8:28:28
